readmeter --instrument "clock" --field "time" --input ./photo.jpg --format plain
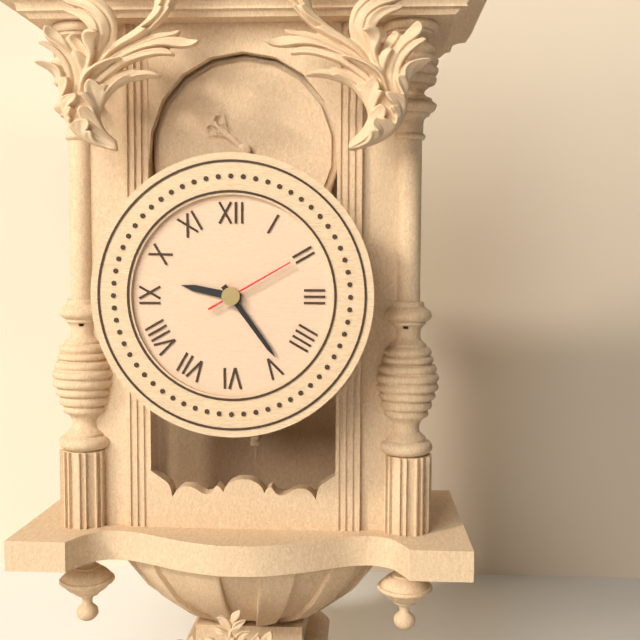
9:24:10
